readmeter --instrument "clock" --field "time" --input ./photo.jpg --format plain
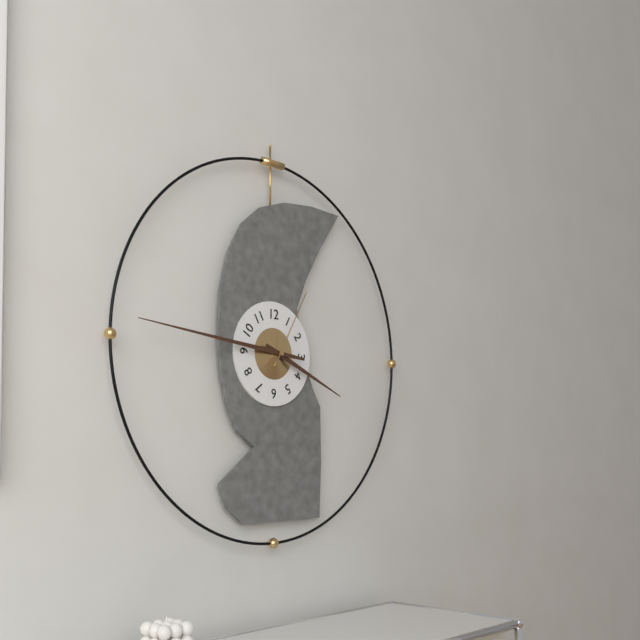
3:46:05
